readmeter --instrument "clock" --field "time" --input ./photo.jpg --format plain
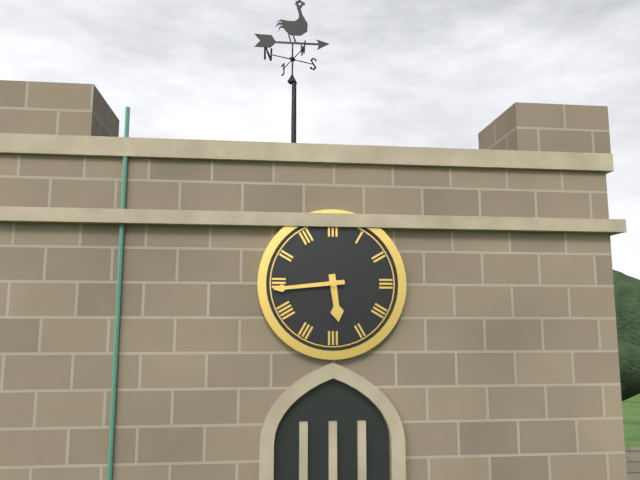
5:44
